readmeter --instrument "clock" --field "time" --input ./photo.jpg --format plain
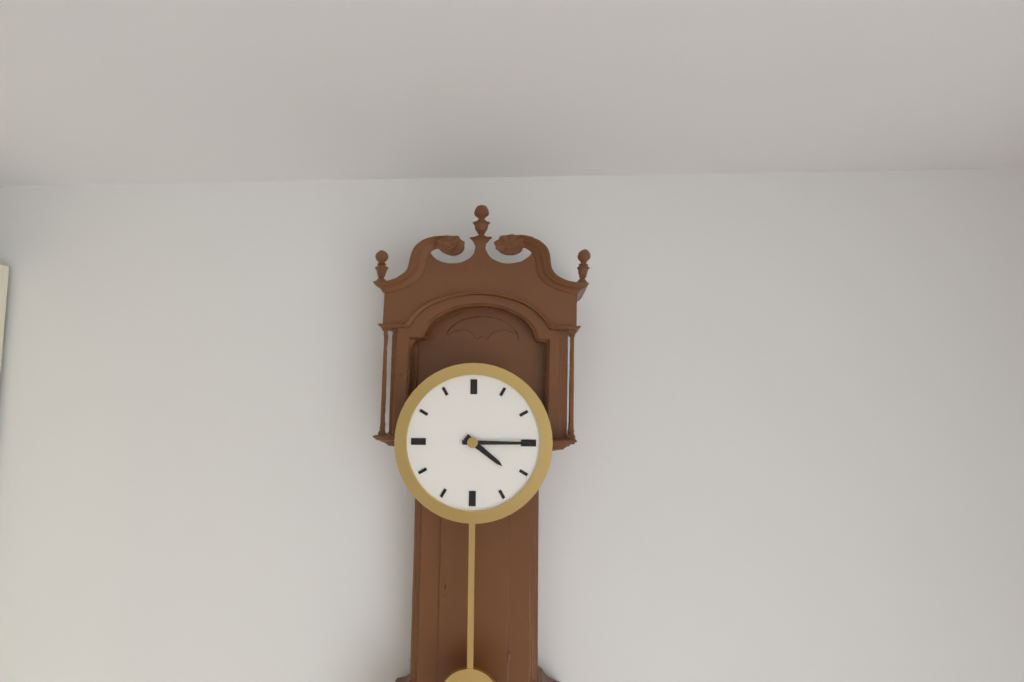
4:15
